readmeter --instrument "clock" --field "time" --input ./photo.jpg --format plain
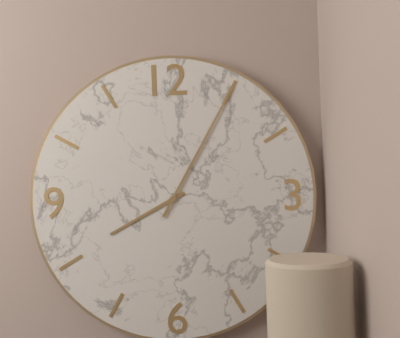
8:05
